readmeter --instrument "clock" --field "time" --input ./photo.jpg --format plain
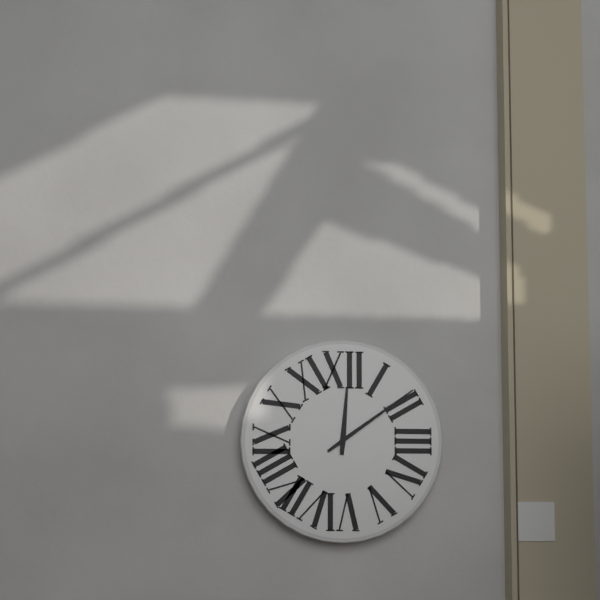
12:09
